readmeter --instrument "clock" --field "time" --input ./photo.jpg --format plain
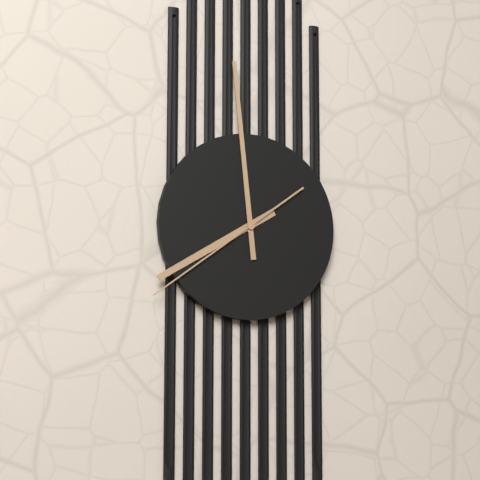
7:59:39
